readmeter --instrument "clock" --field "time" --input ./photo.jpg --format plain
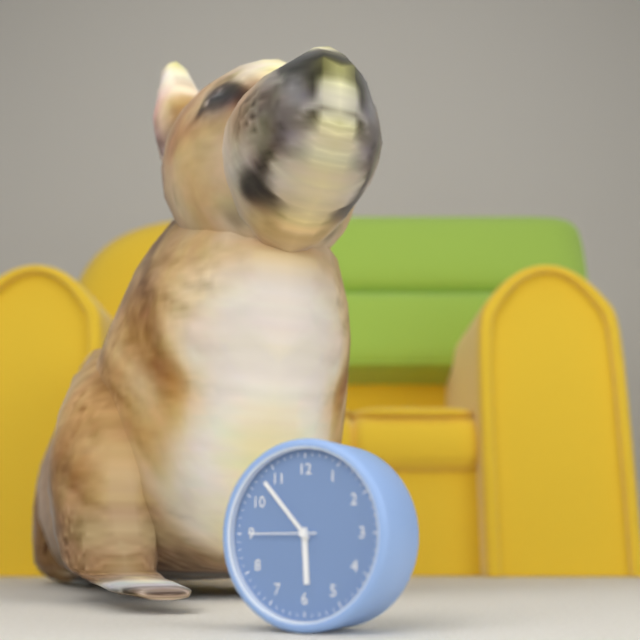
5:53:45
